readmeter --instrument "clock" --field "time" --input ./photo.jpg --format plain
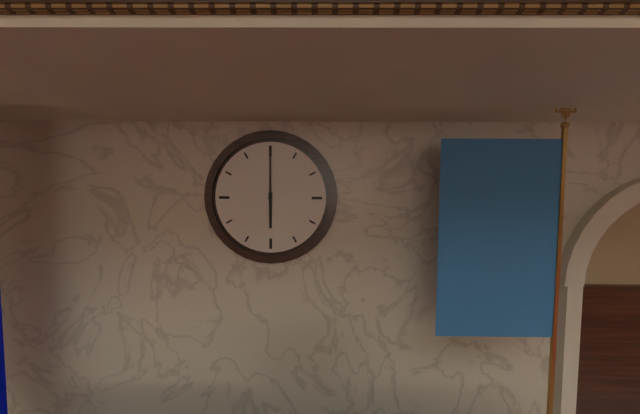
6:00
